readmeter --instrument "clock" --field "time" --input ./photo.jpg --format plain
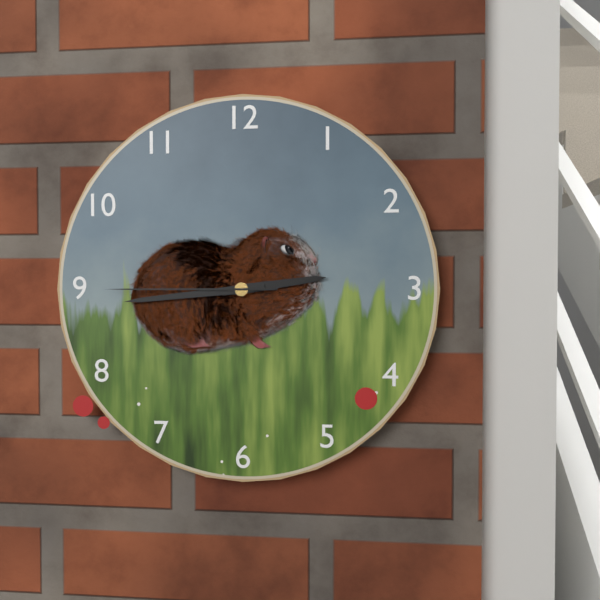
2:44:45
